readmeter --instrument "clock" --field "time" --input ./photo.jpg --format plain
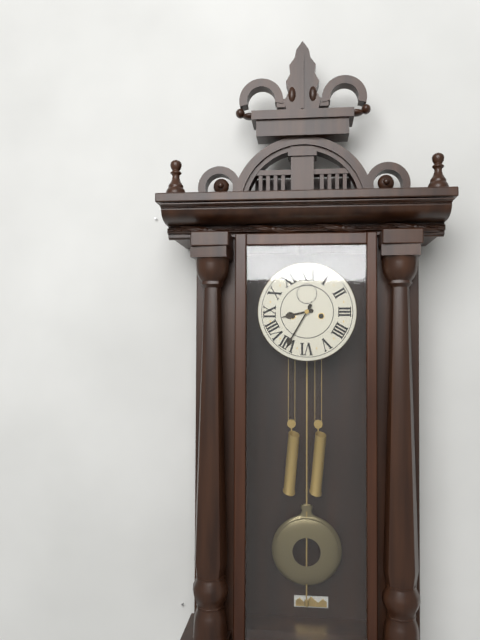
8:35
